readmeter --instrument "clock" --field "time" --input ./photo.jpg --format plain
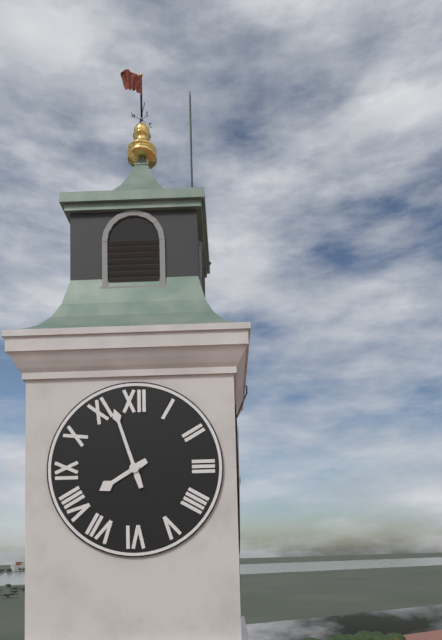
7:57
